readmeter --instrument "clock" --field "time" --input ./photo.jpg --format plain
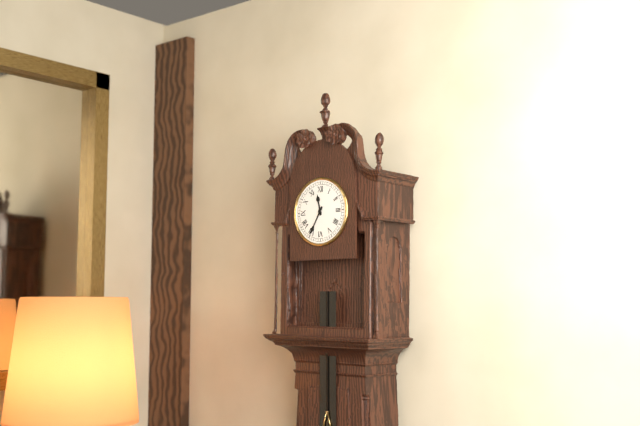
11:35
